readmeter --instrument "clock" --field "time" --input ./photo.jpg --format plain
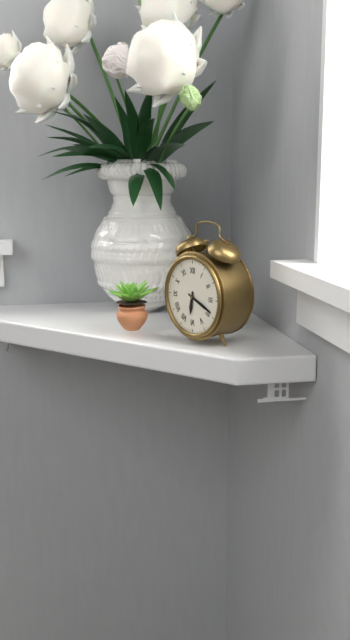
6:19
